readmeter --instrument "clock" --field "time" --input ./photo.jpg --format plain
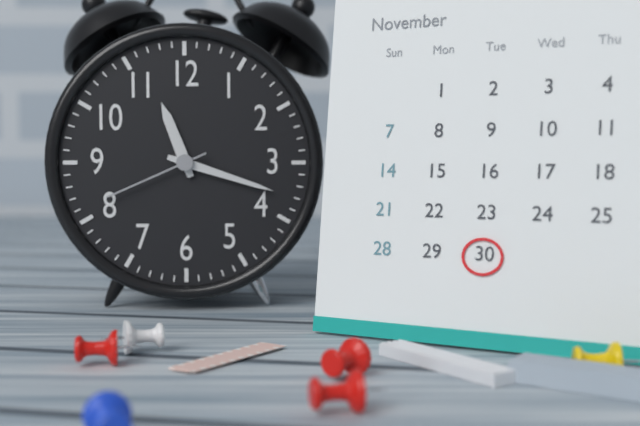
11:18:41
